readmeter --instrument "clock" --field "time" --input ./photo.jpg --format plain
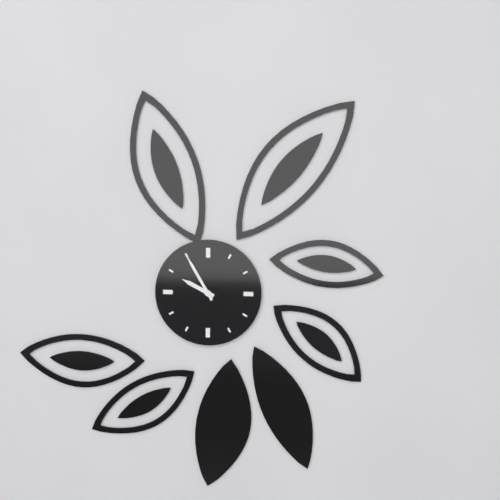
9:55
